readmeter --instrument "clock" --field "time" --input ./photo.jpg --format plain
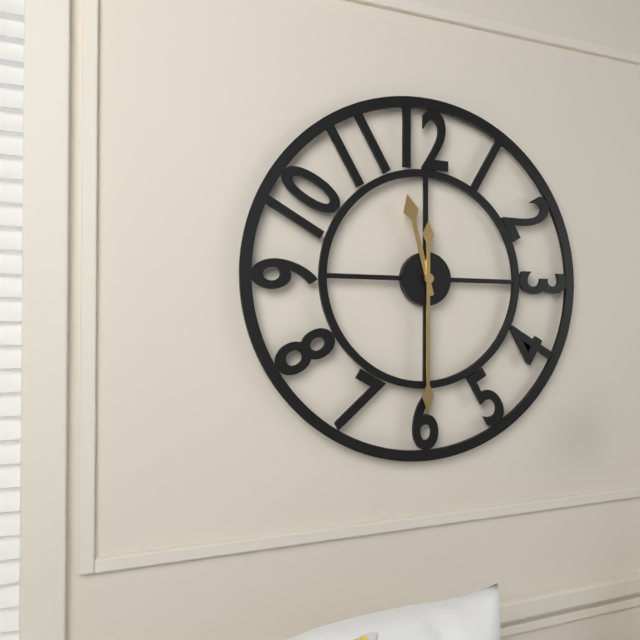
11:30
